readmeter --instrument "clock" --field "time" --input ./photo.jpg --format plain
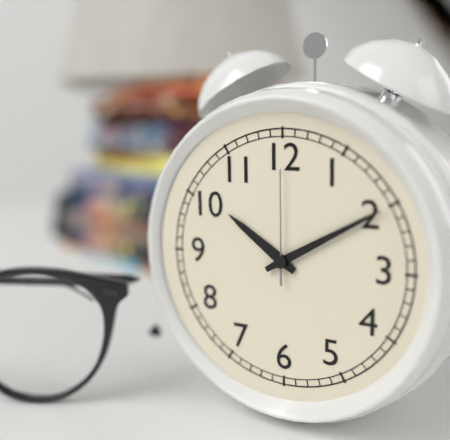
10:10:00
